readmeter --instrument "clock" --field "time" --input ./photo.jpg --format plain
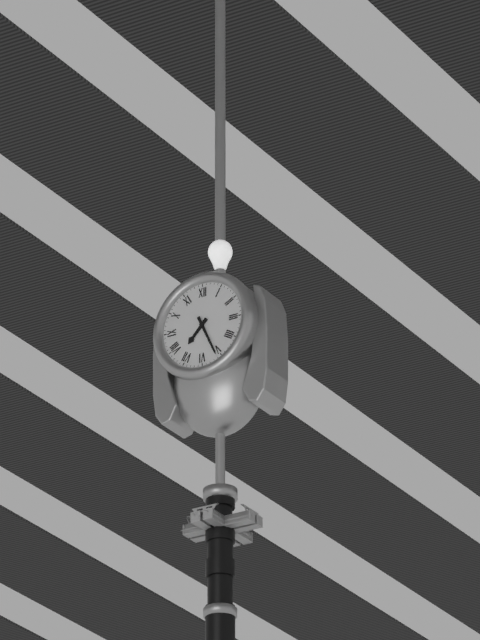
7:26
